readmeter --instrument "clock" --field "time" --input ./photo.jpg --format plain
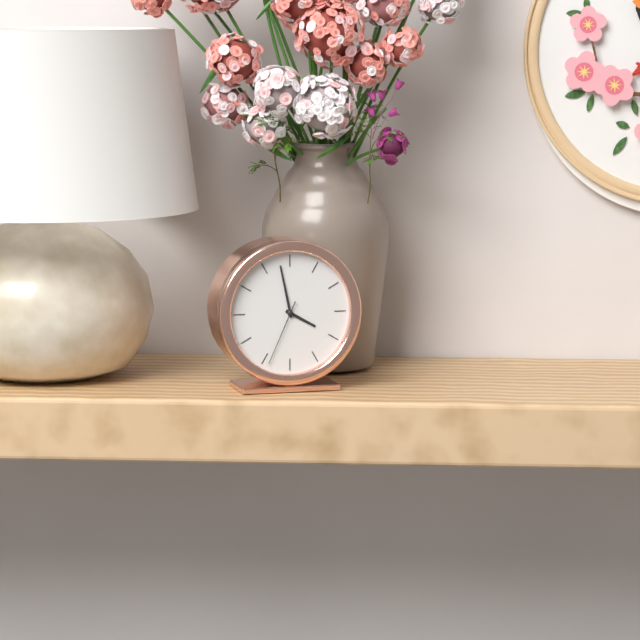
3:58:34
